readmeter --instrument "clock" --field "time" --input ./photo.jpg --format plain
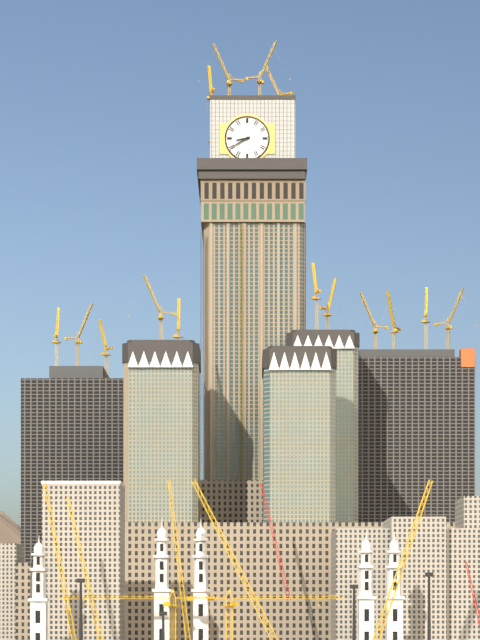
8:40
